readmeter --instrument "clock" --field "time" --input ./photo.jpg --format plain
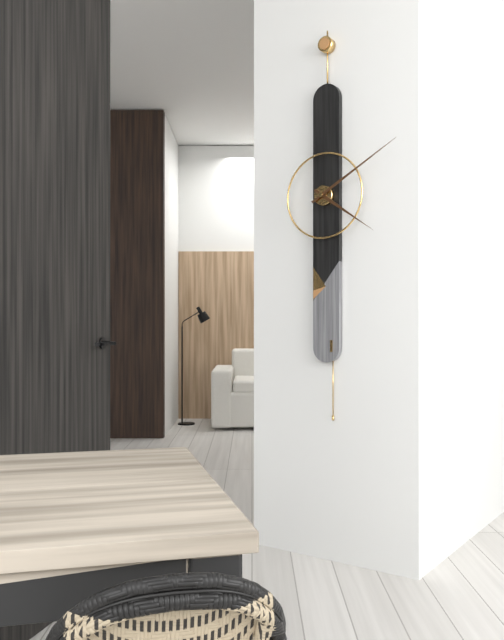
4:10
